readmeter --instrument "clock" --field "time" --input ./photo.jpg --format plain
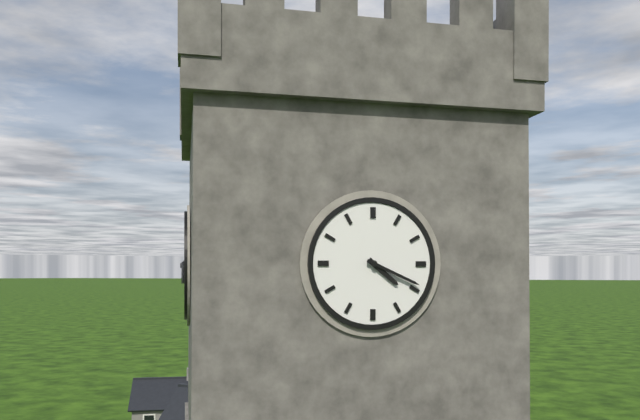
4:19
